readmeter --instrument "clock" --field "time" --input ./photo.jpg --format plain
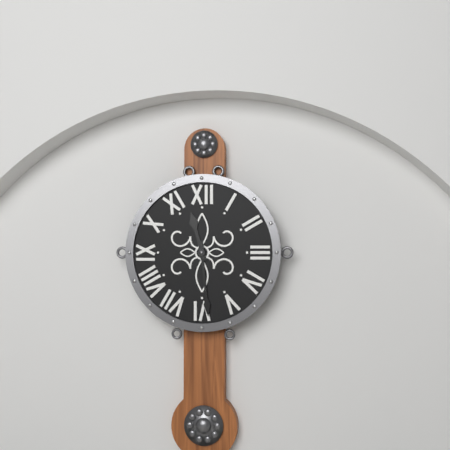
11:29
